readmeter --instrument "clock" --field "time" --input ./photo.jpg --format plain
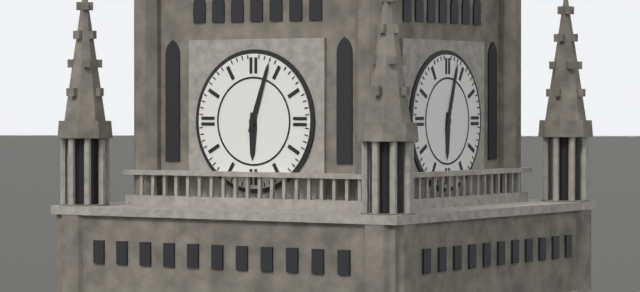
6:03
